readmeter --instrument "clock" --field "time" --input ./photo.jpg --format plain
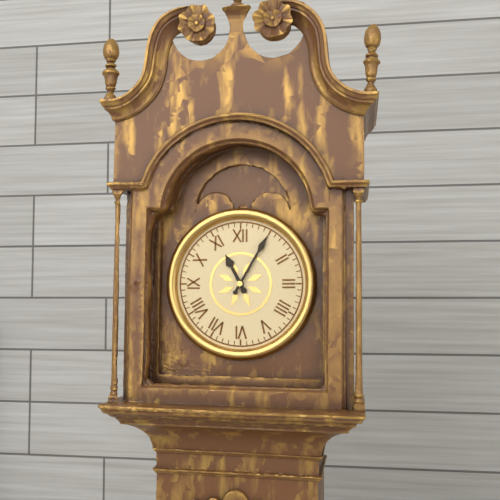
11:05
